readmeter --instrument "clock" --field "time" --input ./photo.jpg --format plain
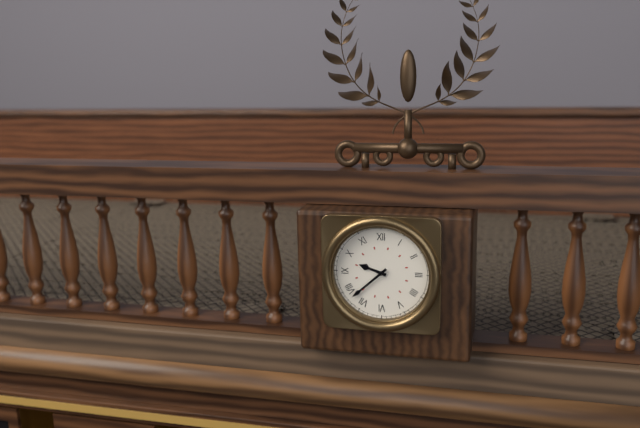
9:38
